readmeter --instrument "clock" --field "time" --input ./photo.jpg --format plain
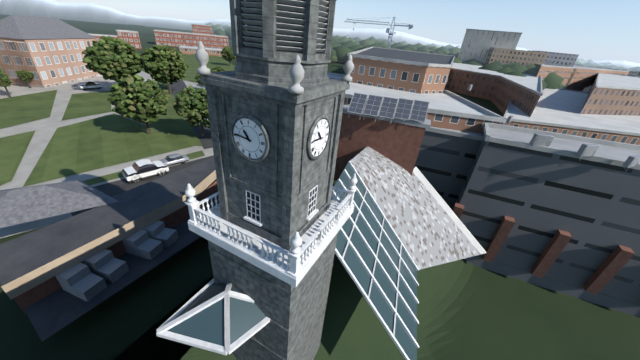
10:46
